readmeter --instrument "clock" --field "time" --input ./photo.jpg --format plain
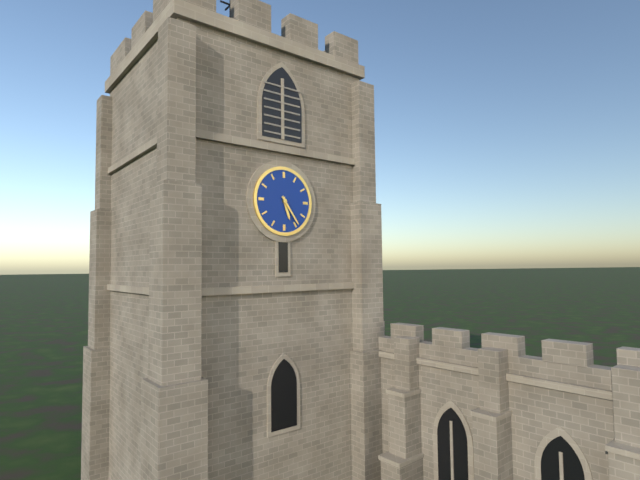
5:24
